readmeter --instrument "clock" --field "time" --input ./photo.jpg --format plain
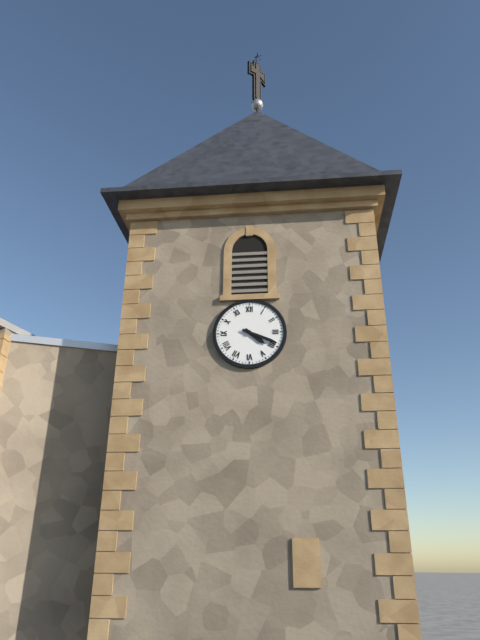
4:19
